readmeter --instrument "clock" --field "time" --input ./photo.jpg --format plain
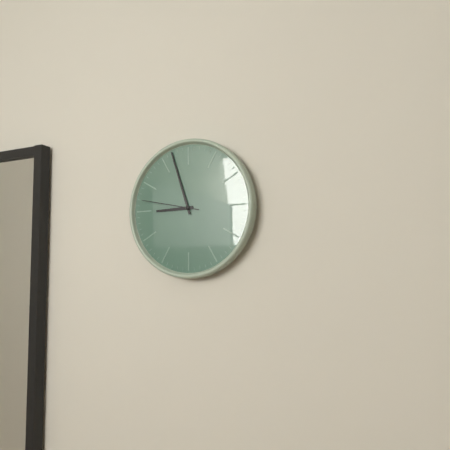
8:57:47
